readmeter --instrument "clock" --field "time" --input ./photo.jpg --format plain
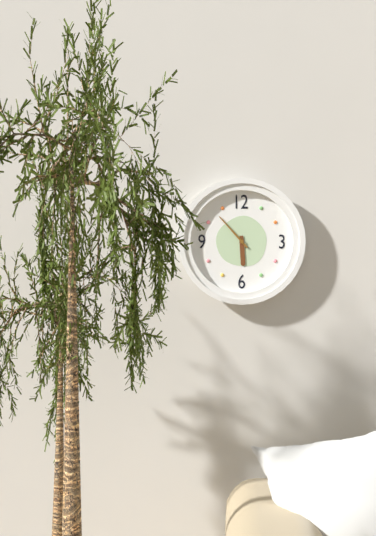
5:53
